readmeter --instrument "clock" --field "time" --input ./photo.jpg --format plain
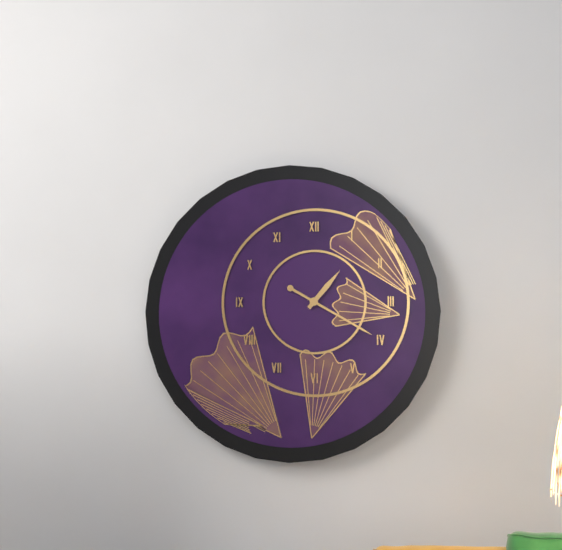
1:20
